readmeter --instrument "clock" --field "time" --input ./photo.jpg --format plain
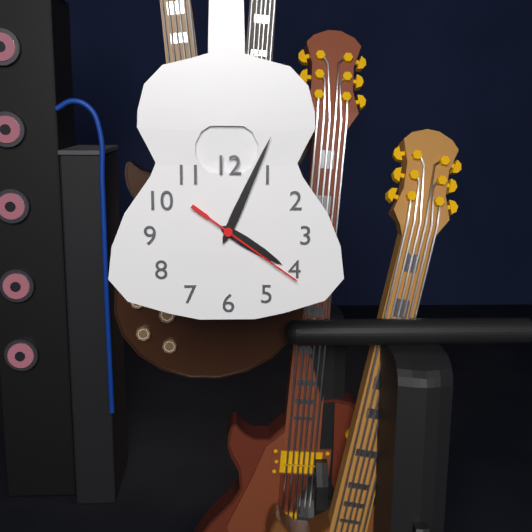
4:04:21
